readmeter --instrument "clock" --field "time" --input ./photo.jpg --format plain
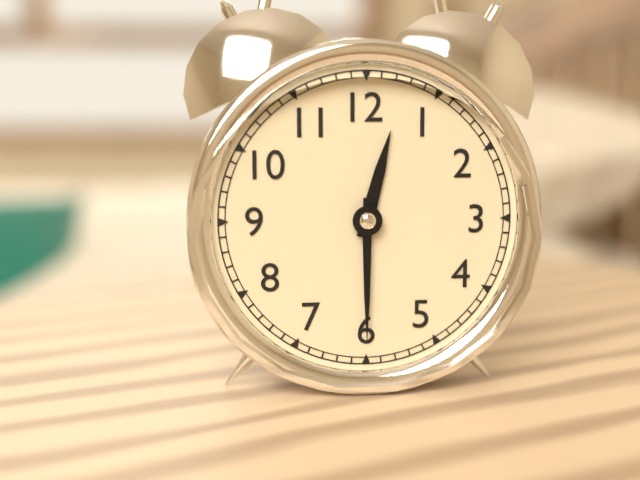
12:30
